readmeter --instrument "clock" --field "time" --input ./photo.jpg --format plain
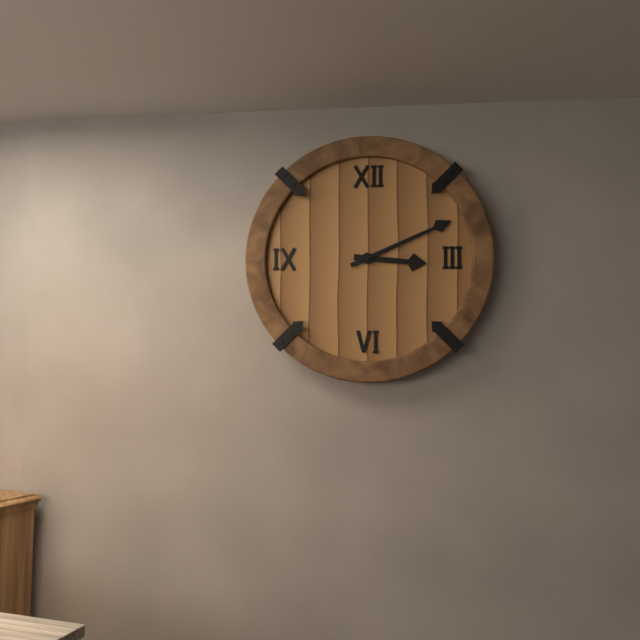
3:11
